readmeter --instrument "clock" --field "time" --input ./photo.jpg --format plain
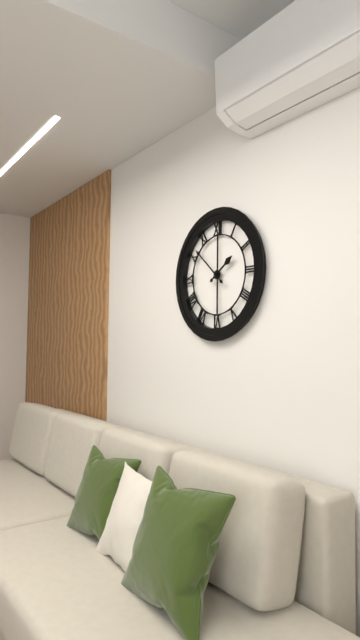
1:52
